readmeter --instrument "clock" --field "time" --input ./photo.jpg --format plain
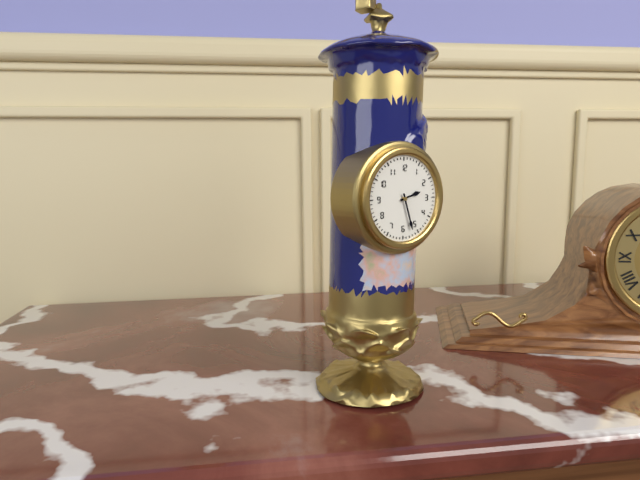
2:27
